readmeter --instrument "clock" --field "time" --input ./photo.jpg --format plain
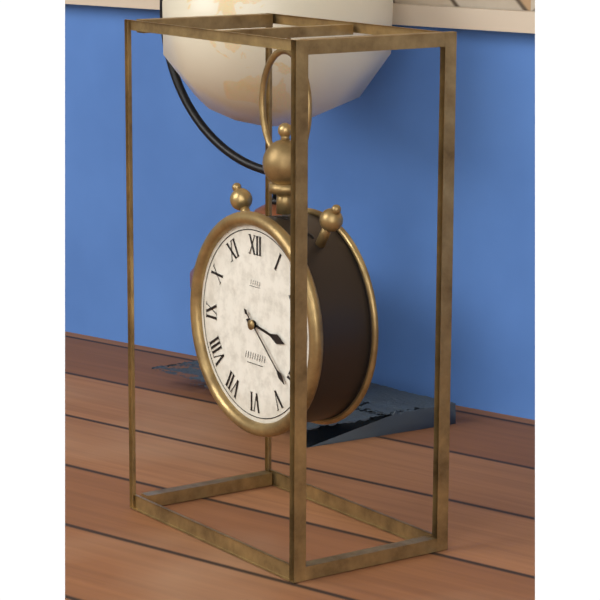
3:22
